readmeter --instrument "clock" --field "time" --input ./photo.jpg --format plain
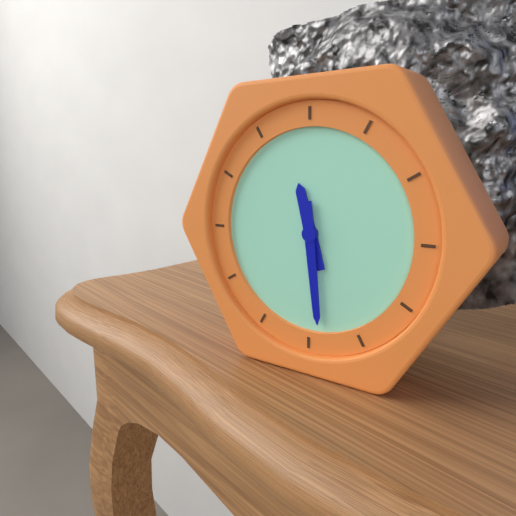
11:29
